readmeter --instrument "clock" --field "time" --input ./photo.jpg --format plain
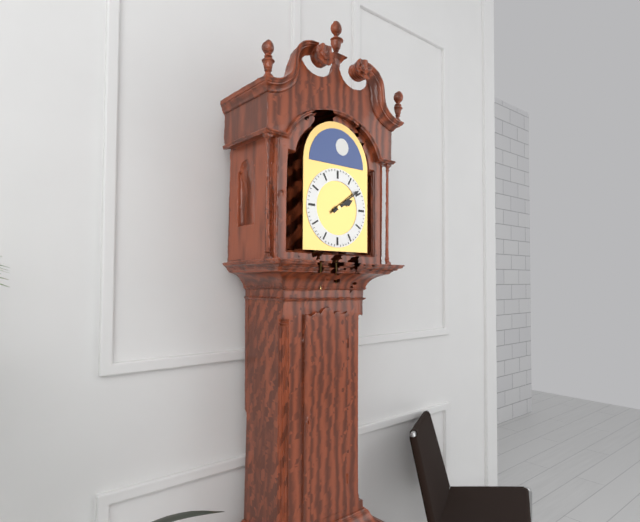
2:09
